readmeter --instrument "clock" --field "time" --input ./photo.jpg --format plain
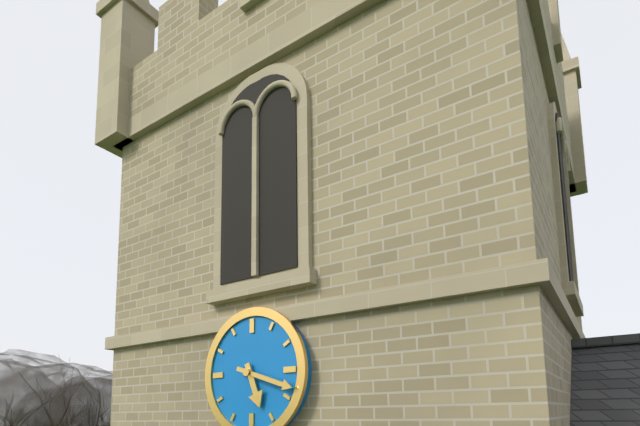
5:18
